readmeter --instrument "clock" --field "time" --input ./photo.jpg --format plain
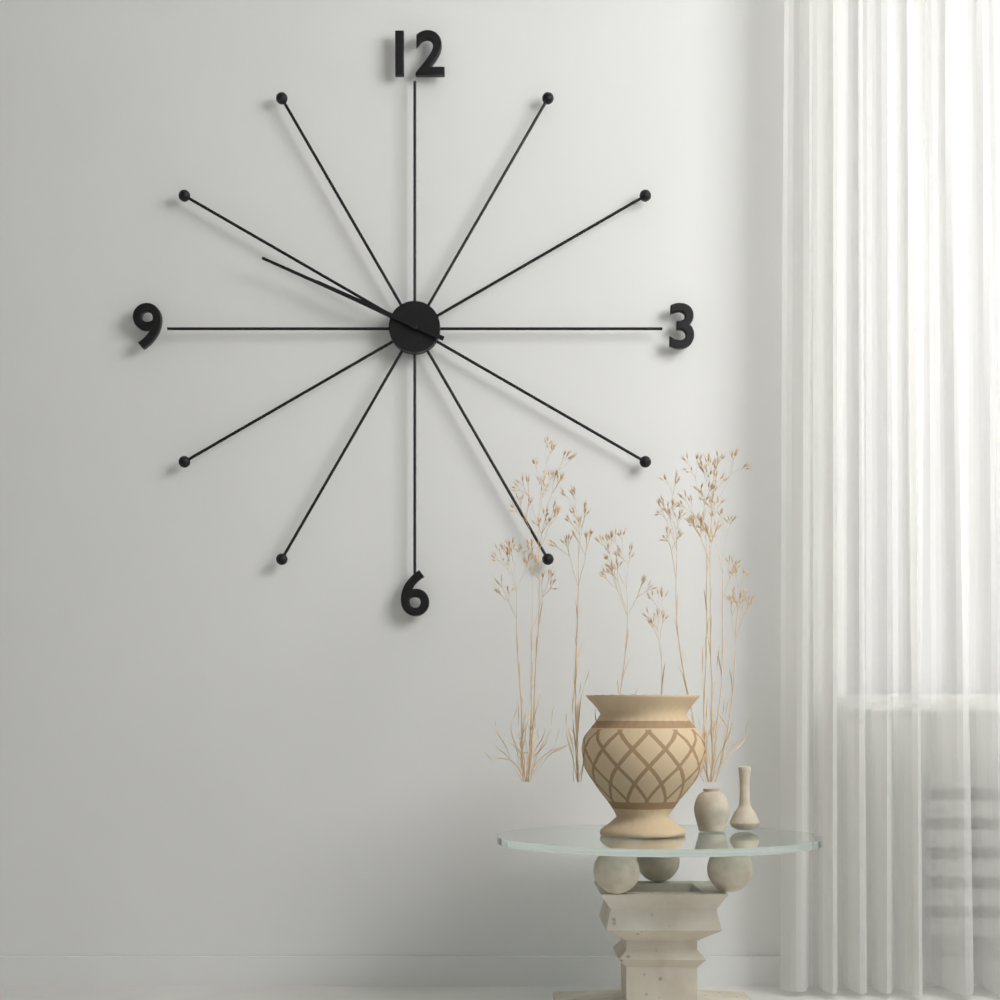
9:49
